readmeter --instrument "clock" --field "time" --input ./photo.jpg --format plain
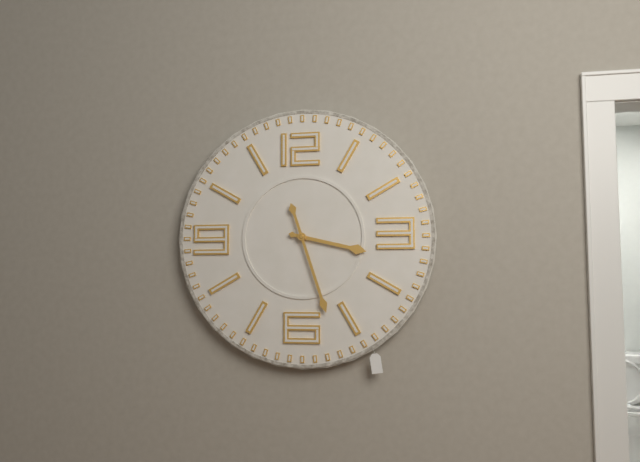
3:27
